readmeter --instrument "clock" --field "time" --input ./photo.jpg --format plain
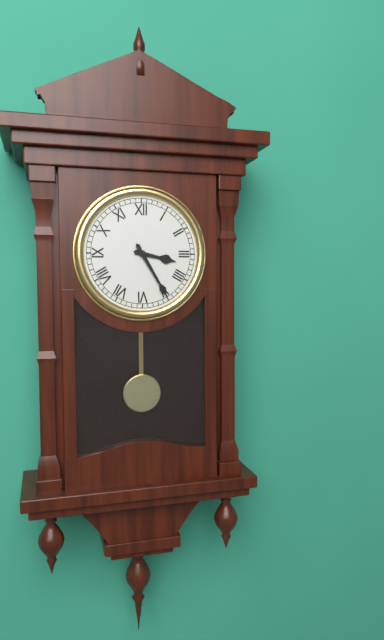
3:25
